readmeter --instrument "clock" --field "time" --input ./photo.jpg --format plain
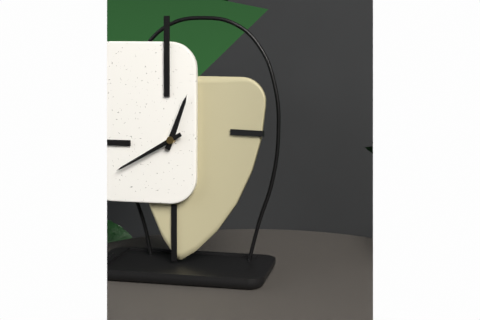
12:40
